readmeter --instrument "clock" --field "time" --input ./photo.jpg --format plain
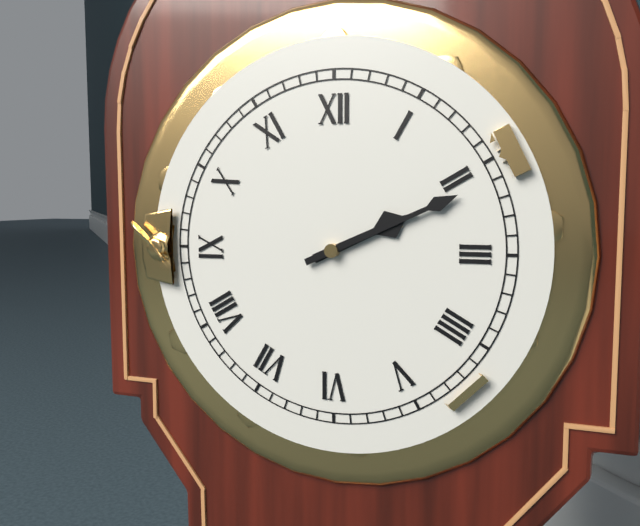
2:11
